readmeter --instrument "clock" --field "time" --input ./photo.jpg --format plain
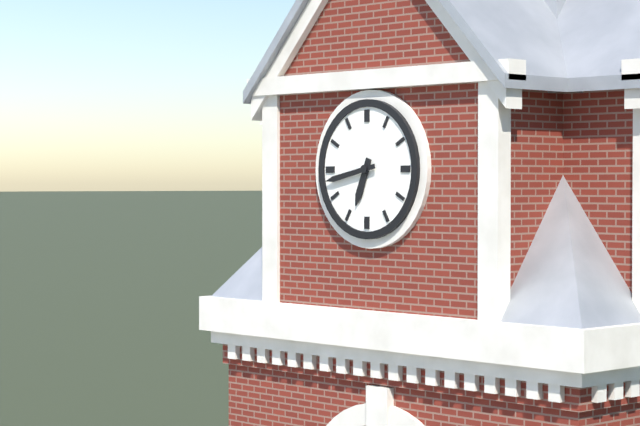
6:43
